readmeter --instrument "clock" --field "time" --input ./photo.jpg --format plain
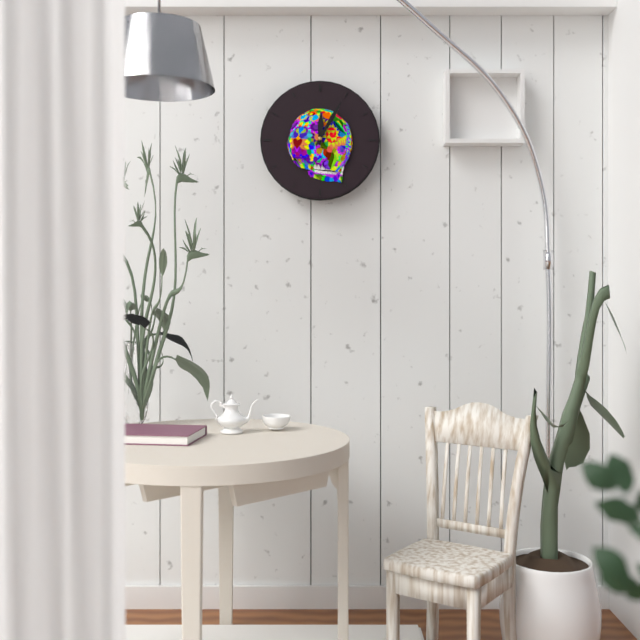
12:05
